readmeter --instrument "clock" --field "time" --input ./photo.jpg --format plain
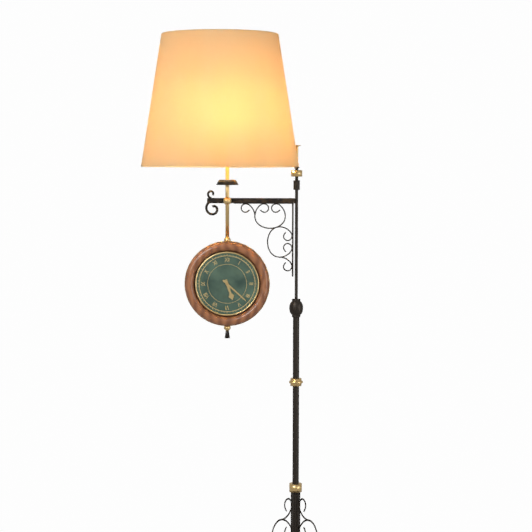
5:22
